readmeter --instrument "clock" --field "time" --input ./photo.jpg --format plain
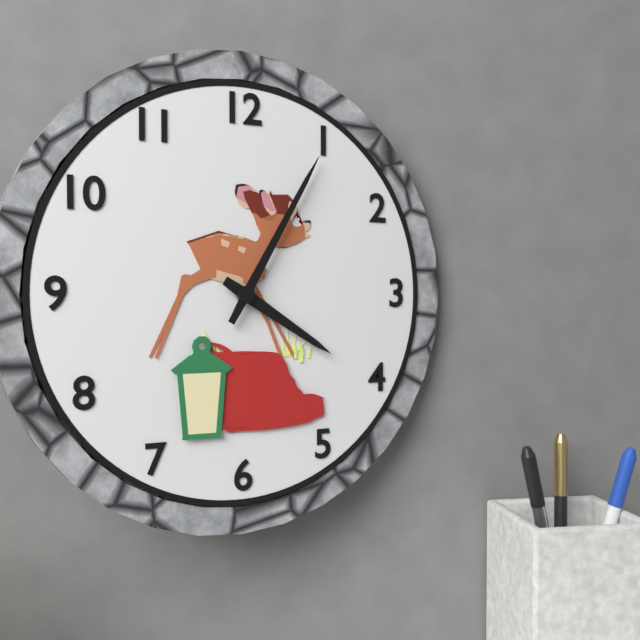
4:05
